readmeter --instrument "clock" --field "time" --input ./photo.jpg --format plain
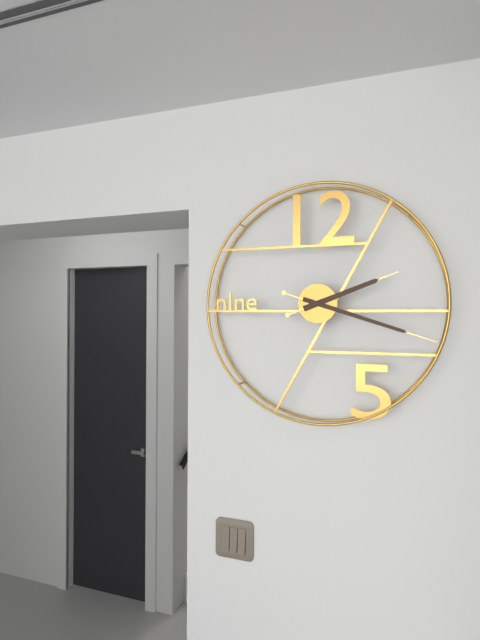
2:18
